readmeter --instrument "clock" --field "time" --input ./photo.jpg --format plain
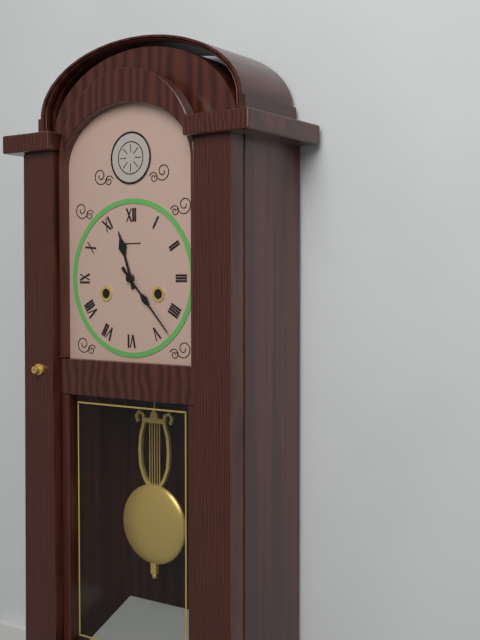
11:23
